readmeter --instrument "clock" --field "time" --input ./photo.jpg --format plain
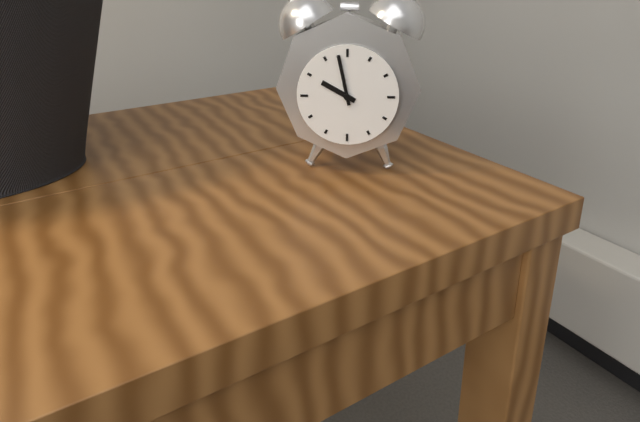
9:58
